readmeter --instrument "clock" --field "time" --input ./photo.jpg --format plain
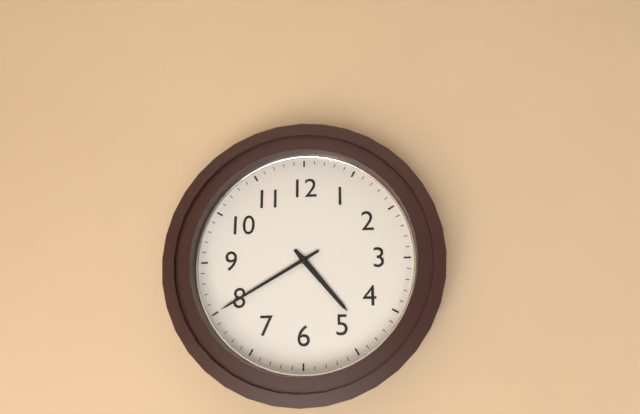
4:40
